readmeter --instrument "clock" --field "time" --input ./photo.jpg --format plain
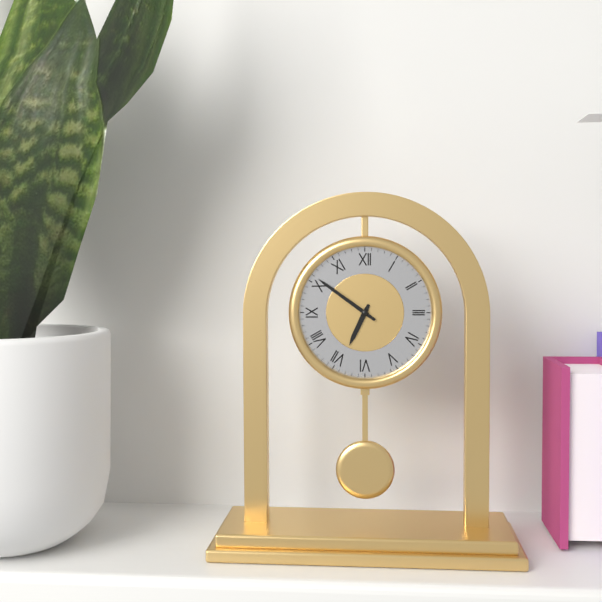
6:51
